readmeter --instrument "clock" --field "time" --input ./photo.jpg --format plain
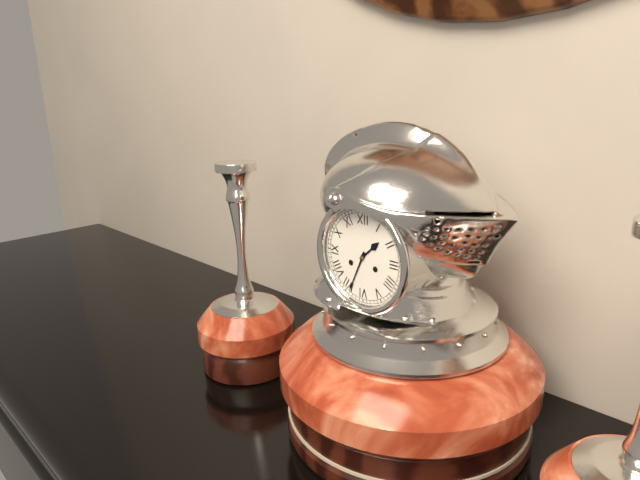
1:34
